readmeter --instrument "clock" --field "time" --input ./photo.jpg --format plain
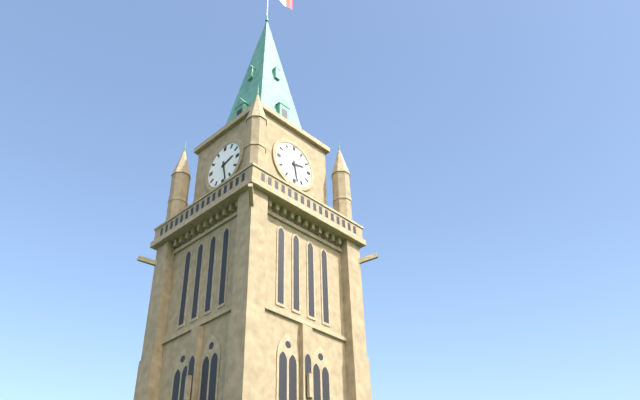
2:28
